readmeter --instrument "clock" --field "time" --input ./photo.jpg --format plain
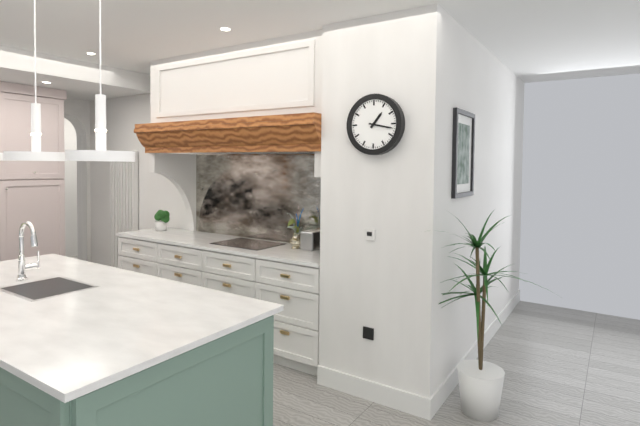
1:17
